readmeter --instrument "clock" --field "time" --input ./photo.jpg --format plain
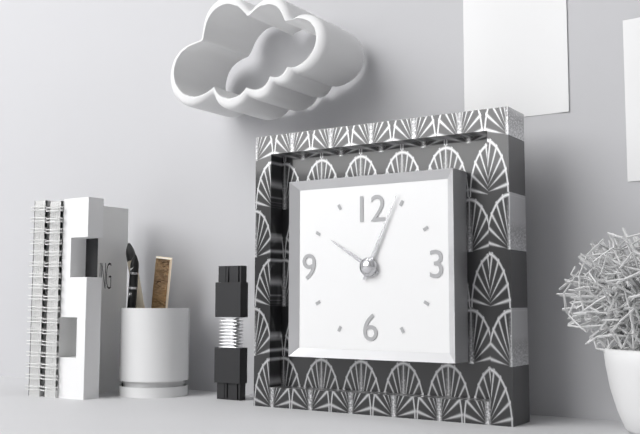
10:04
